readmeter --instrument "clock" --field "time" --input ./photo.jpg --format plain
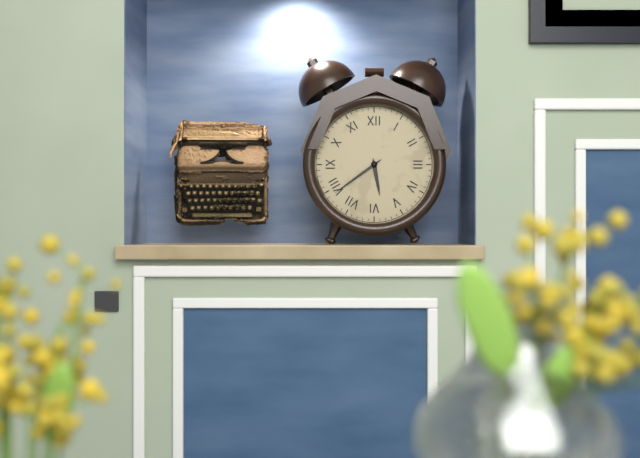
5:39
